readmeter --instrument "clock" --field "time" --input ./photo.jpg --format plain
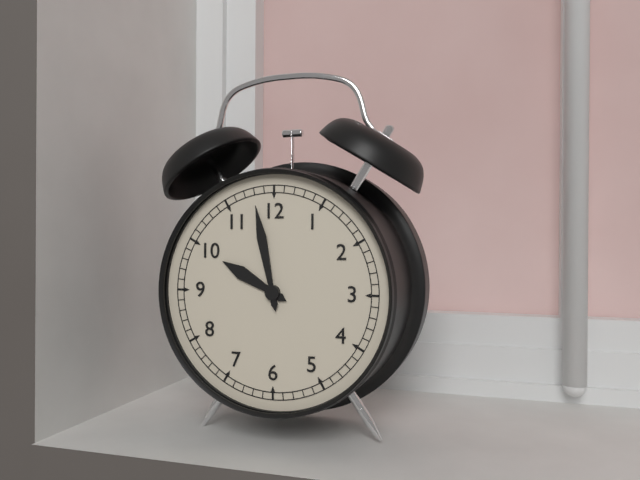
9:58
